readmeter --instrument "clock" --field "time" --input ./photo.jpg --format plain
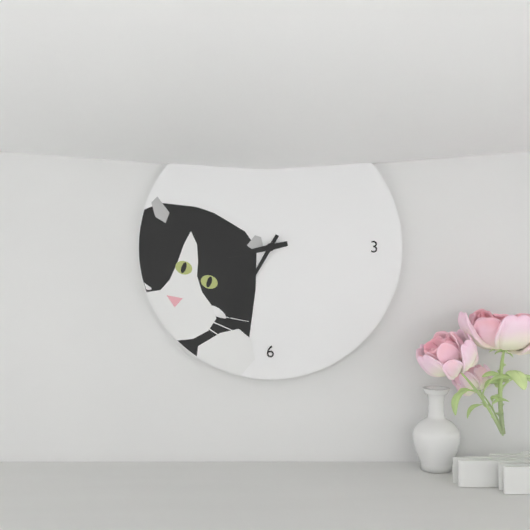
8:35
